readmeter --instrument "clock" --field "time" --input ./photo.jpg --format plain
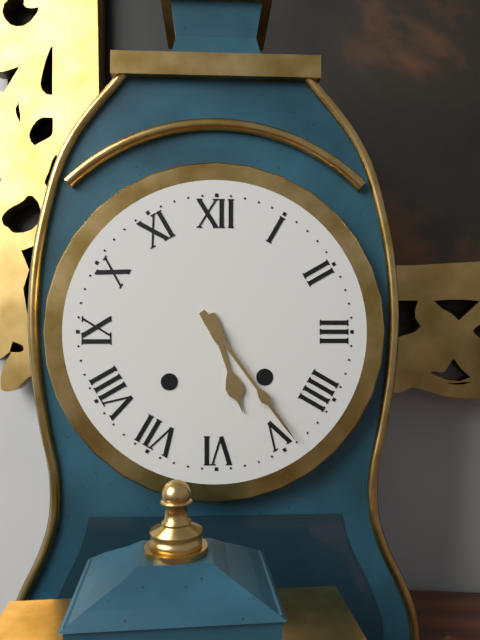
5:24
